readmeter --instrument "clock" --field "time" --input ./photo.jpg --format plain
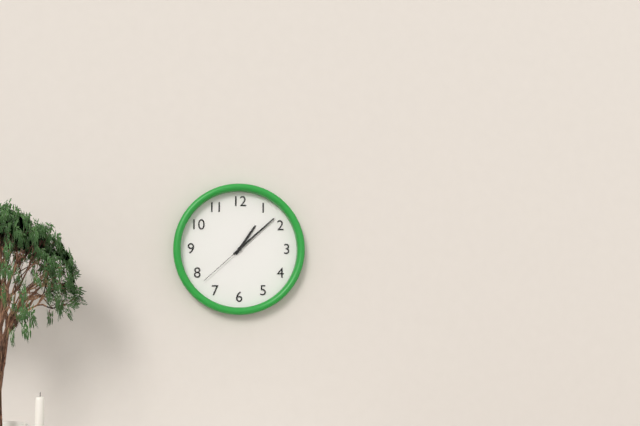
1:08:38
